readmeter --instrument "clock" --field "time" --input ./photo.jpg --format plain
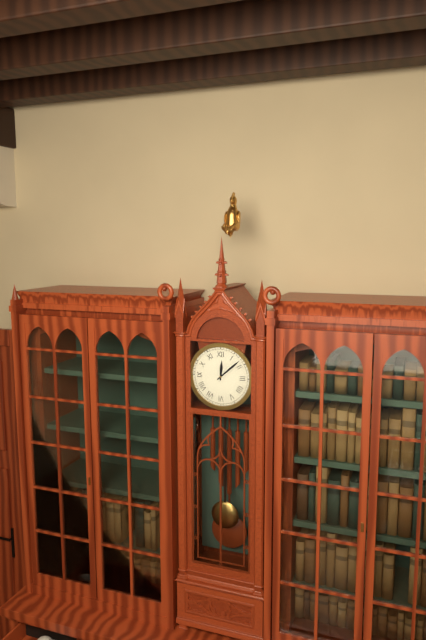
12:08
